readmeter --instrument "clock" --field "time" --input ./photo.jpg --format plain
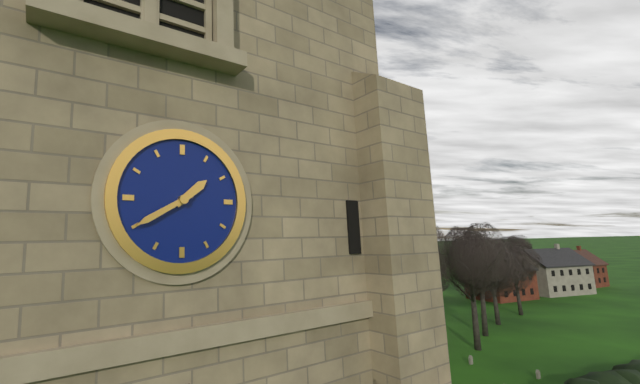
1:40
